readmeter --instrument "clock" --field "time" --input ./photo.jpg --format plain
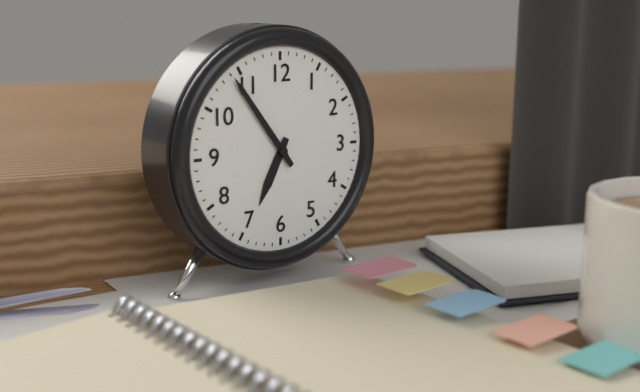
6:54
